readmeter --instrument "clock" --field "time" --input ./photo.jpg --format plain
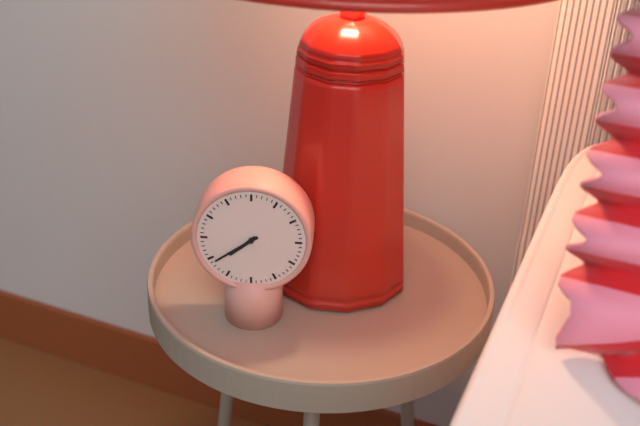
7:39
